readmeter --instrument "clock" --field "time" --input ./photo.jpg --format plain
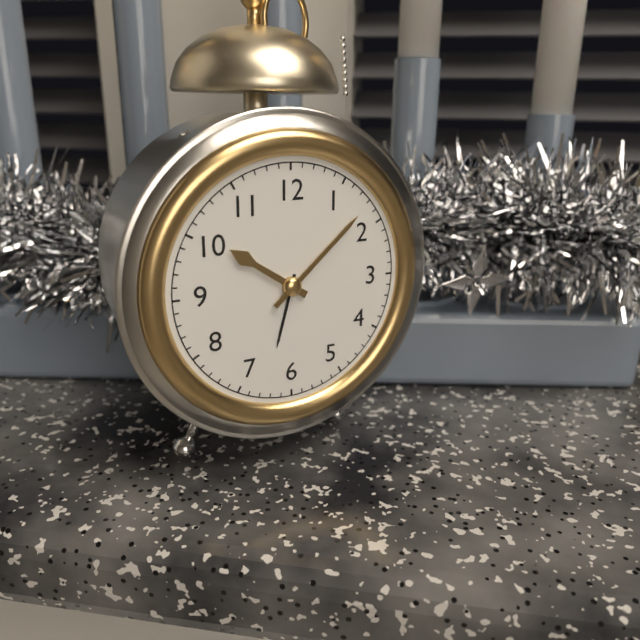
10:08
